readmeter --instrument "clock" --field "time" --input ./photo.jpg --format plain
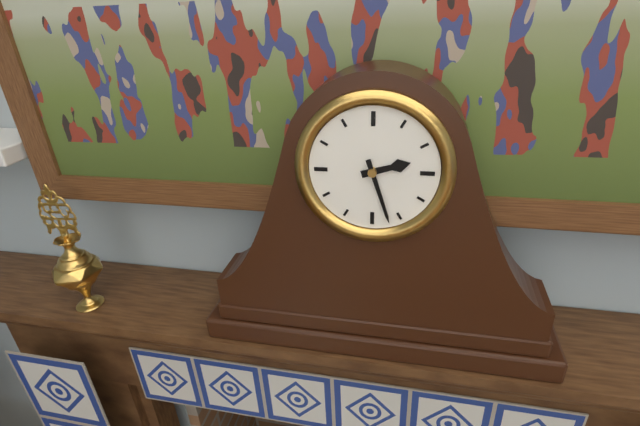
2:27
